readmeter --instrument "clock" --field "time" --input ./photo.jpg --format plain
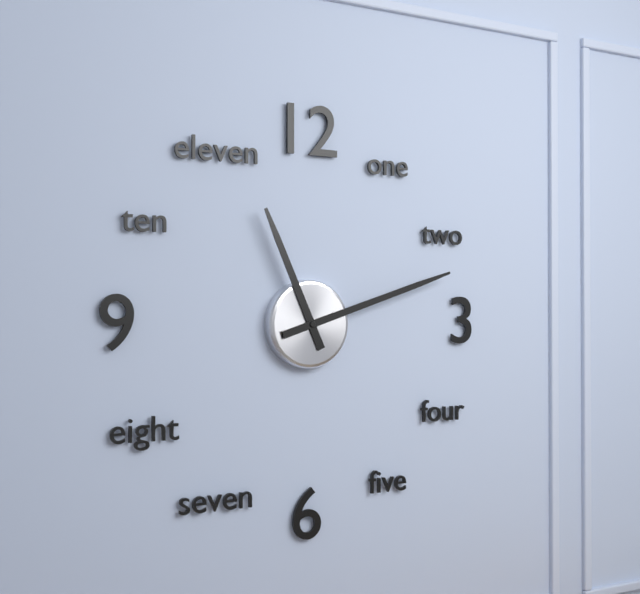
11:12
